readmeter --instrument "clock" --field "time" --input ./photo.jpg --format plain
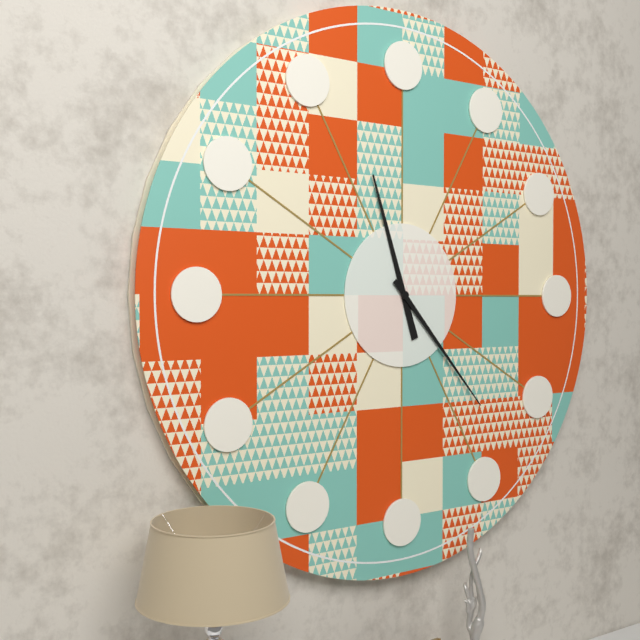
11:23
